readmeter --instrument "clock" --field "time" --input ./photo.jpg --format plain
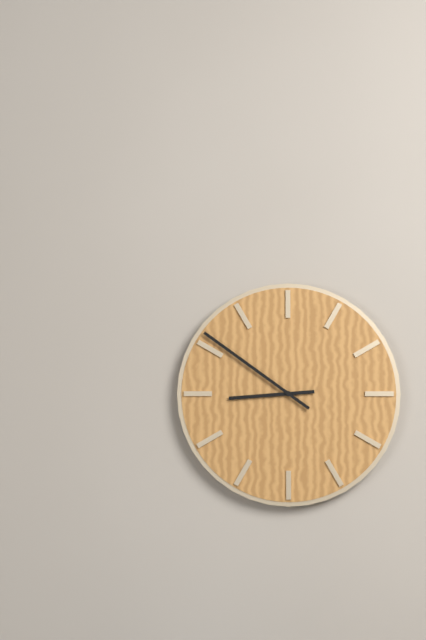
8:51
